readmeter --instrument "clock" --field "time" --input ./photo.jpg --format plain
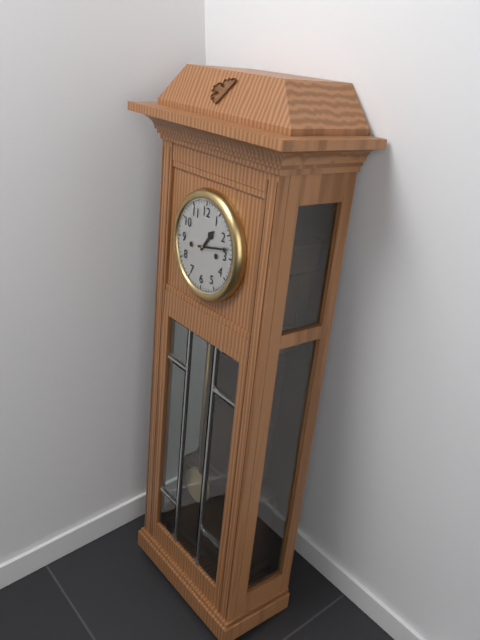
1:13
